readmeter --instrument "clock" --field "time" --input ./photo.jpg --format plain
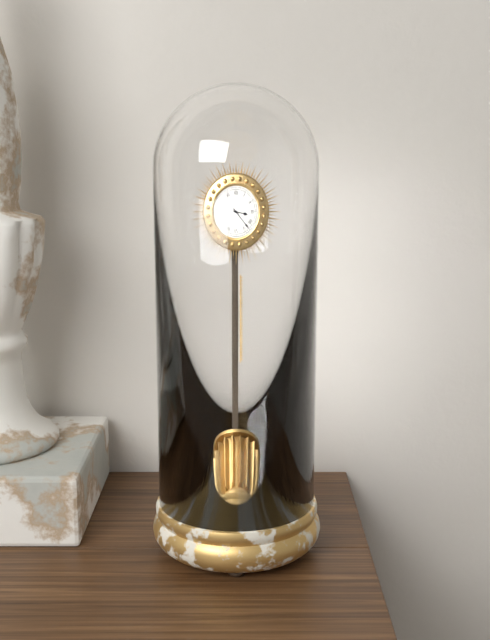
3:23
